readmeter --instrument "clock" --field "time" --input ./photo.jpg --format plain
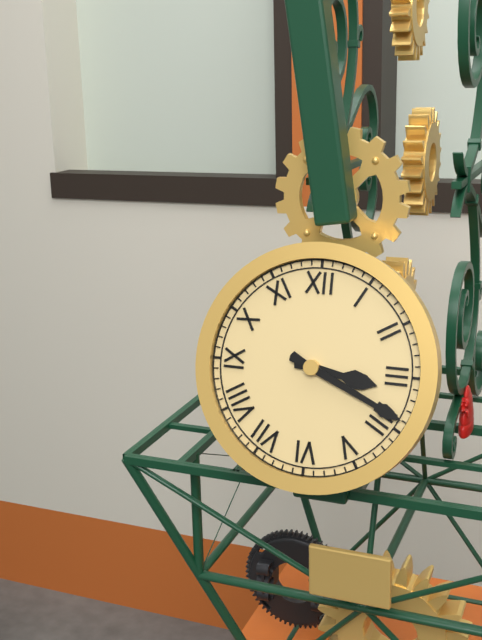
3:19
